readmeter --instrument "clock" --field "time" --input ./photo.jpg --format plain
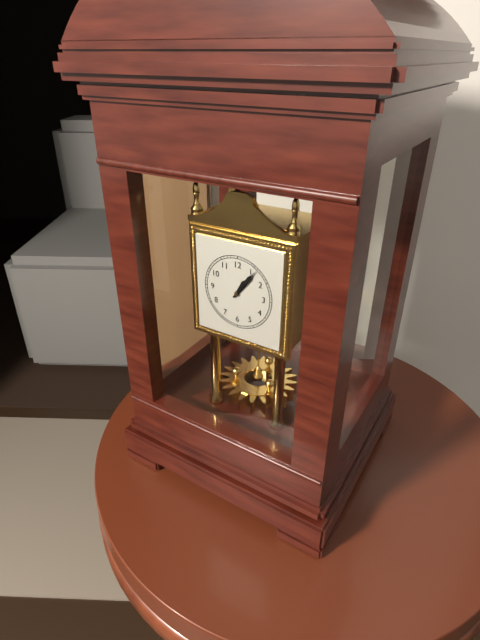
1:06
